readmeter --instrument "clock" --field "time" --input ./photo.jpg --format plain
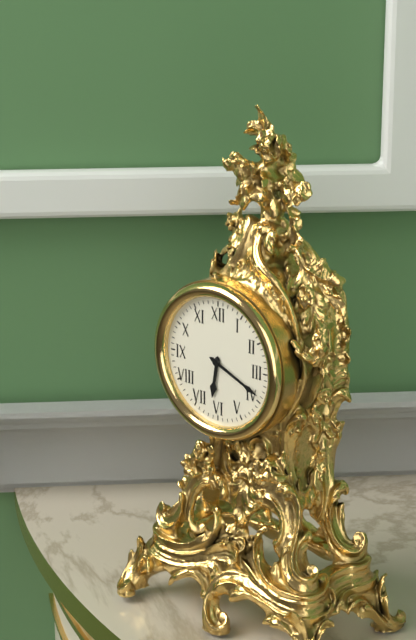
6:19
